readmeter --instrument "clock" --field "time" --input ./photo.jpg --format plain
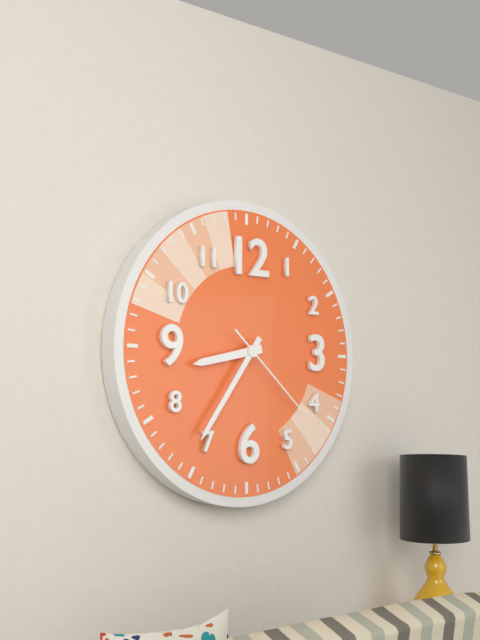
8:36:22
